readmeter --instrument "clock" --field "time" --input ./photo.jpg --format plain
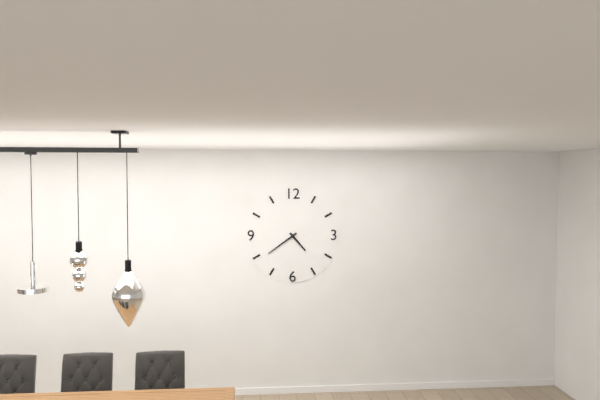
4:39
